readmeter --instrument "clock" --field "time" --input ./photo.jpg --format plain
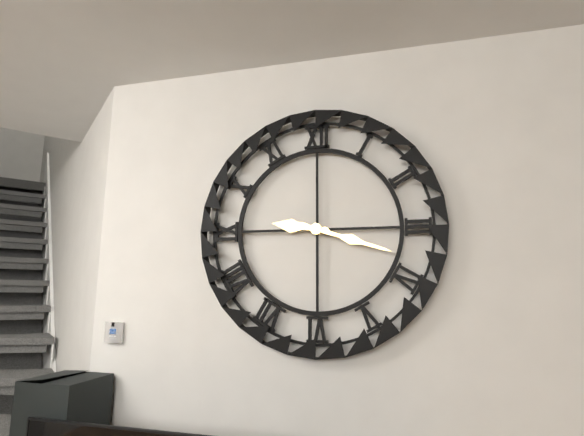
9:18
